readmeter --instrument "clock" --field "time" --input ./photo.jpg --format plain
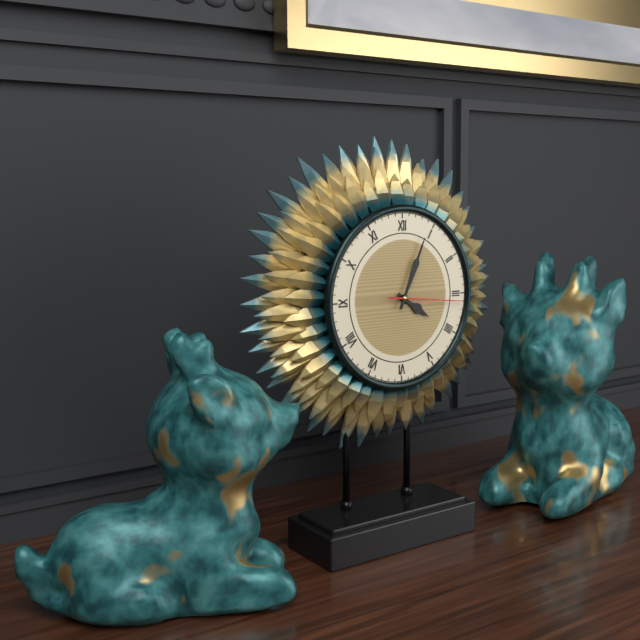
4:04:16
